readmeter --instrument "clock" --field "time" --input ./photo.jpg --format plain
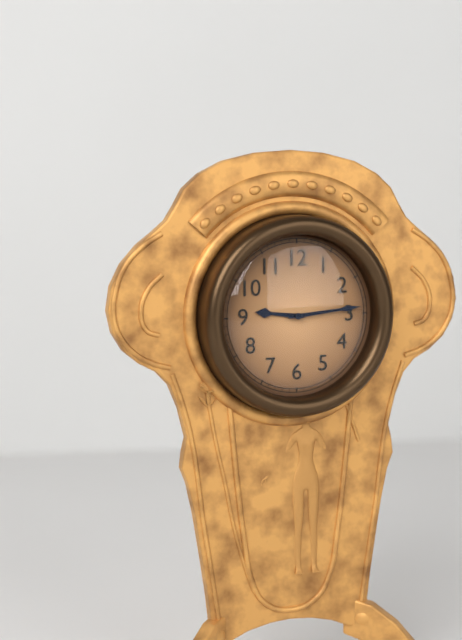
9:14
